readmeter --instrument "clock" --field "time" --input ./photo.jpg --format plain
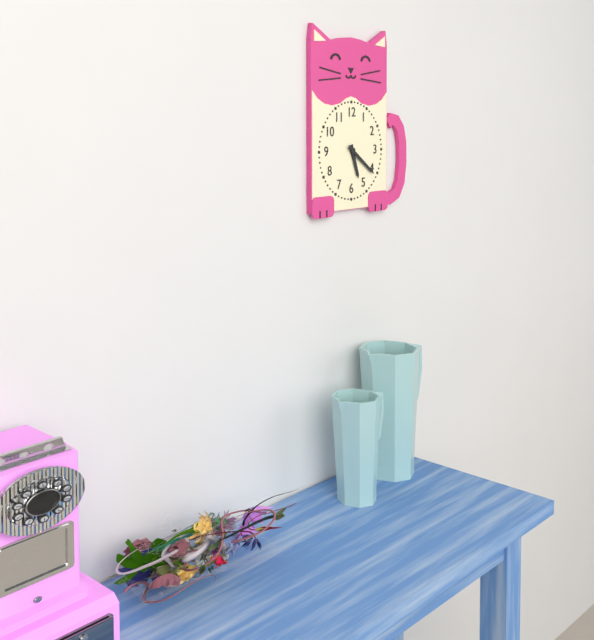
5:21
